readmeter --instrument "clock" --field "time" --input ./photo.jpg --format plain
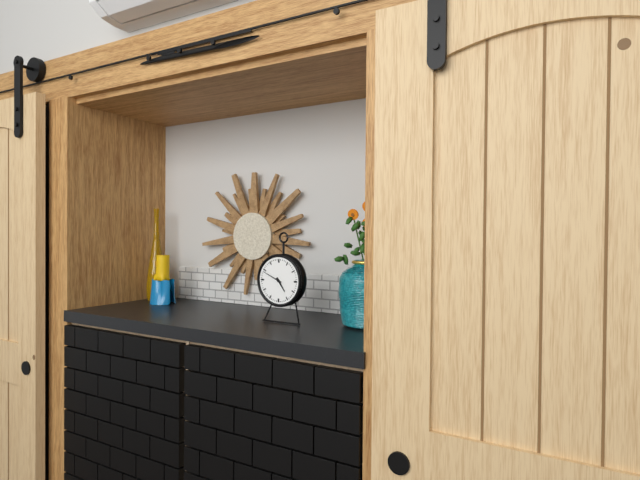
4:49
